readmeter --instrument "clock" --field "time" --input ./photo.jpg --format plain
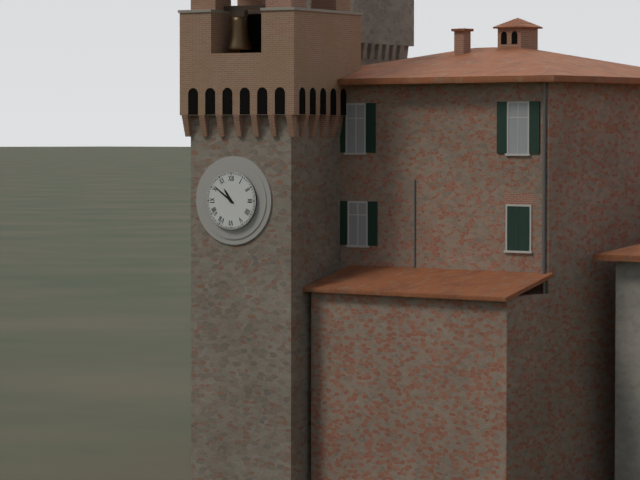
10:51
